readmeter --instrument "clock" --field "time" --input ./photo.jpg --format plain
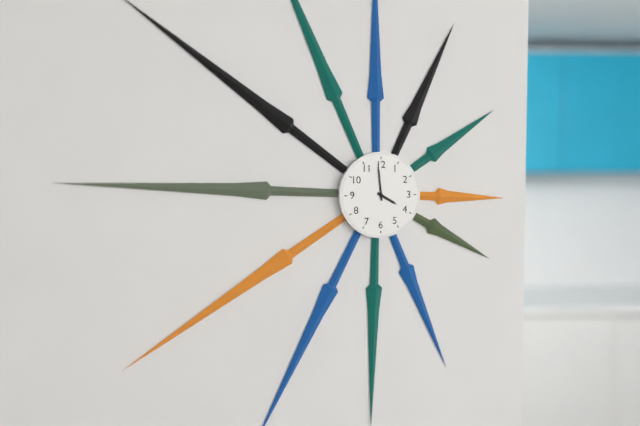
3:59
